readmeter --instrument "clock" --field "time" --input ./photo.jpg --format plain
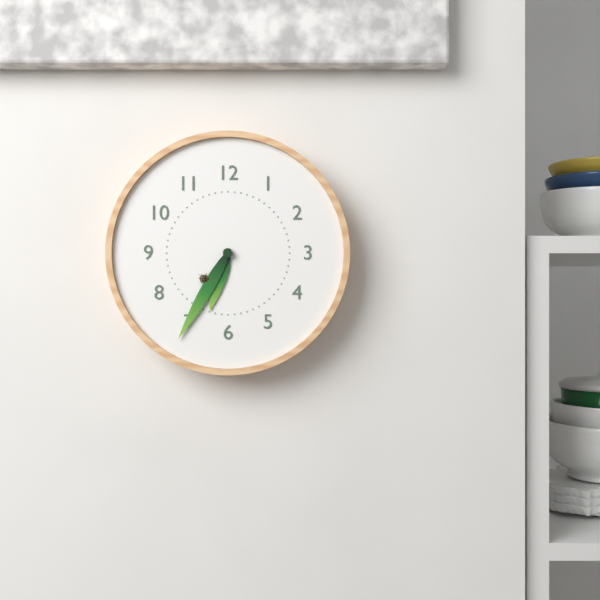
6:35
